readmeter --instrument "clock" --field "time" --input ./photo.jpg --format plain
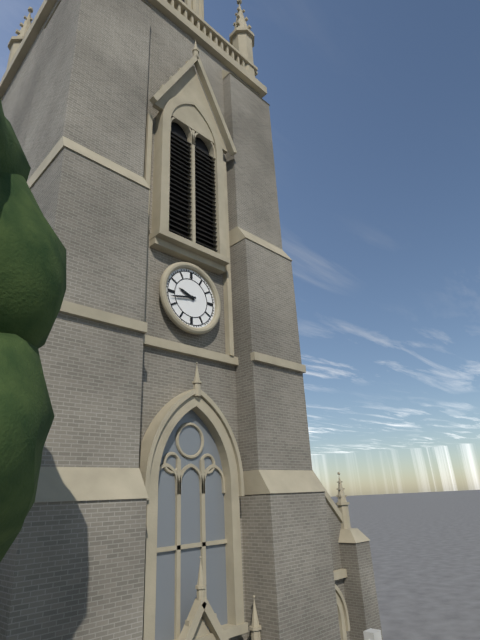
9:43
